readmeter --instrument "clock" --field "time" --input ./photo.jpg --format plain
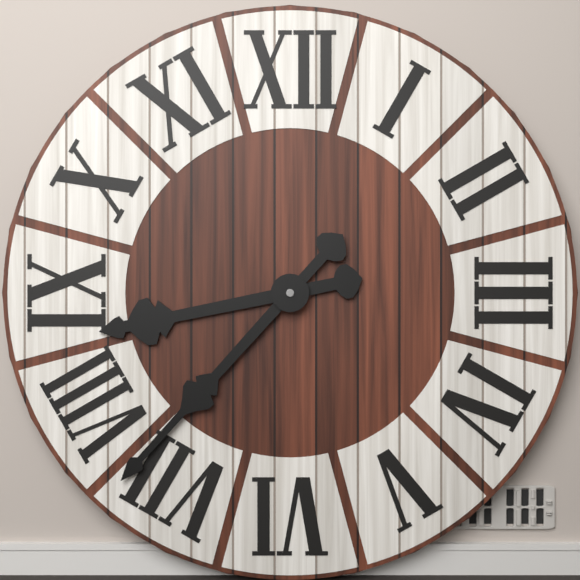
8:37
